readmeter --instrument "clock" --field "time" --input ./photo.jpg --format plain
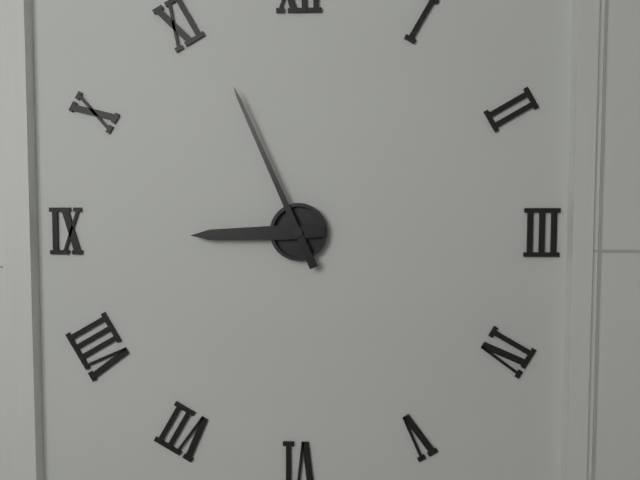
8:56
